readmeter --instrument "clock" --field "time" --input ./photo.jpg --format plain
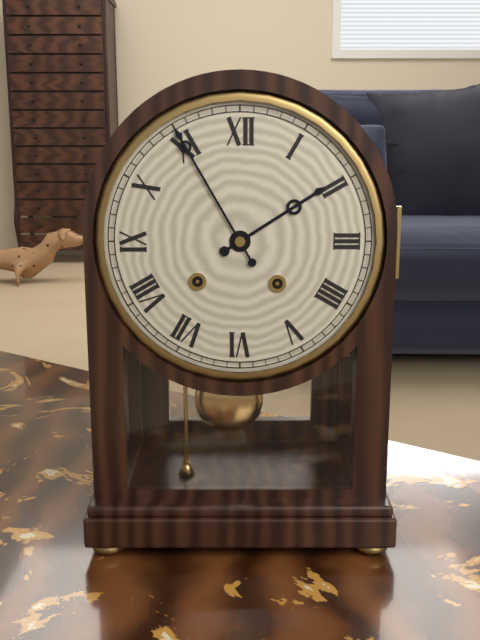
1:55
